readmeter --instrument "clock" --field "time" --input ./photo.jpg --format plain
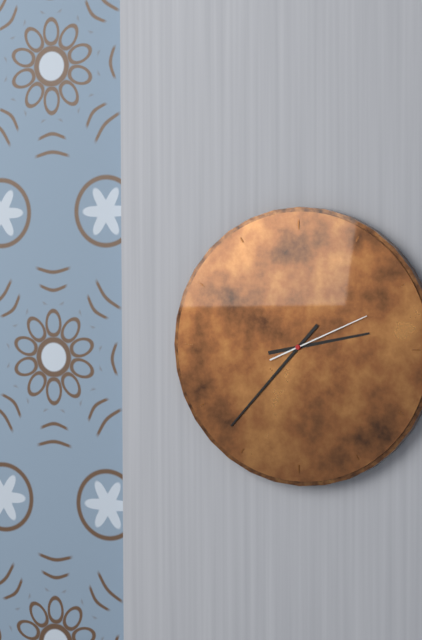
2:37:11
